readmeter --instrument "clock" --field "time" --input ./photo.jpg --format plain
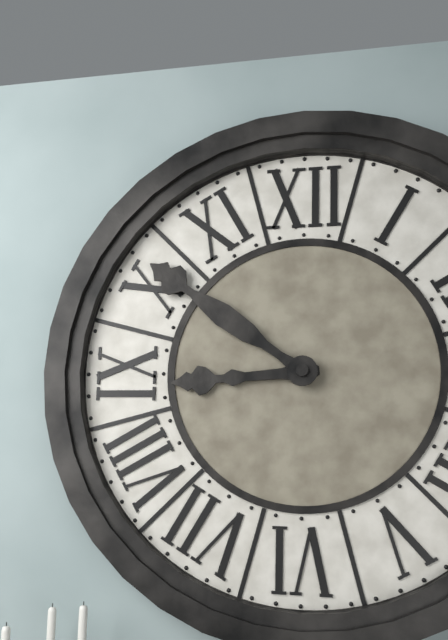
8:51
